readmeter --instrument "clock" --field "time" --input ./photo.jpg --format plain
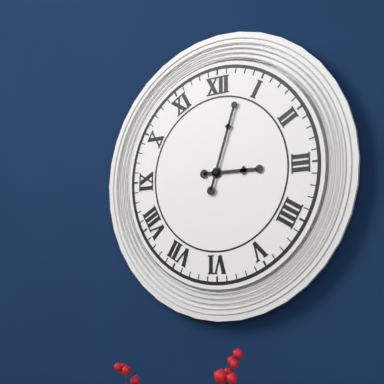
3:03
